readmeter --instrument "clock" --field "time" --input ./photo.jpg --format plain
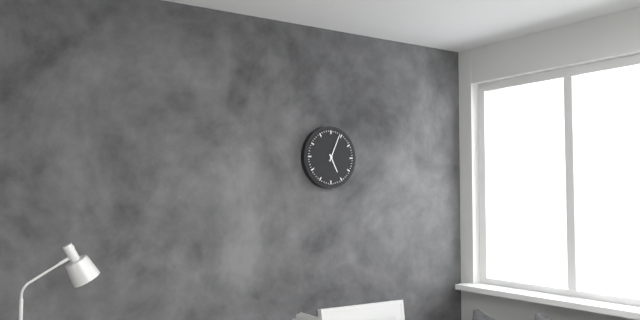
5:04
